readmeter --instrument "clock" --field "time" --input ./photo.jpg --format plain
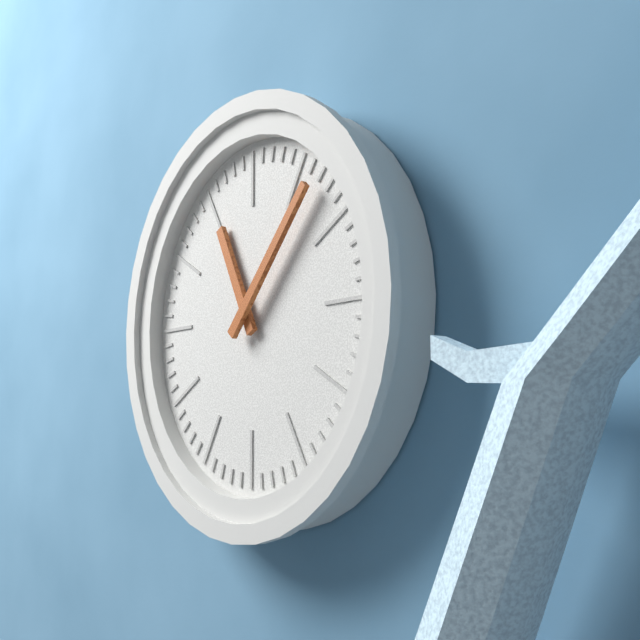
11:07
